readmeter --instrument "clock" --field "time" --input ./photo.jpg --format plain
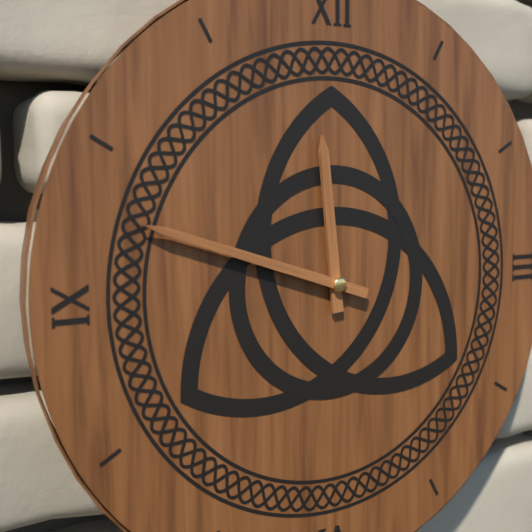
11:48
